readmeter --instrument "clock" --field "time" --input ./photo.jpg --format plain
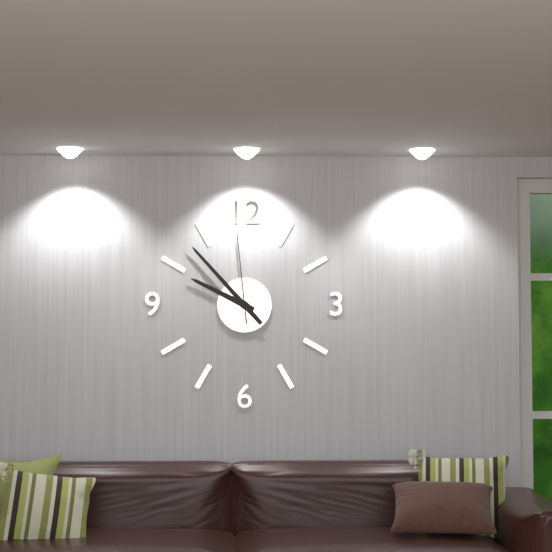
9:53:59
